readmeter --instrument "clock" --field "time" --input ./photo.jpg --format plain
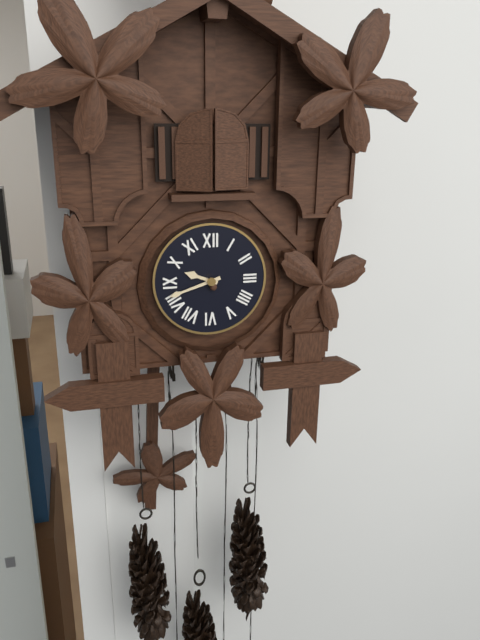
9:42
